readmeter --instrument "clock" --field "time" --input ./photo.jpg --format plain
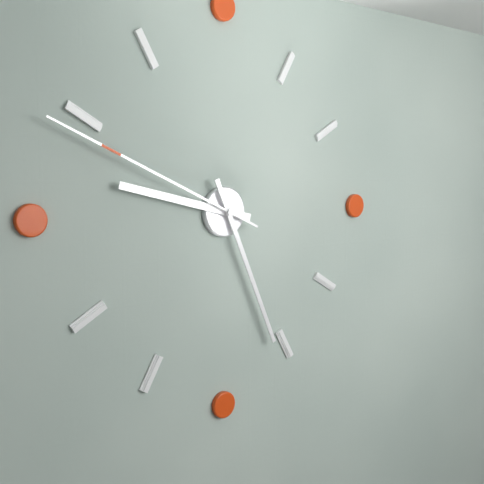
9:26:49
